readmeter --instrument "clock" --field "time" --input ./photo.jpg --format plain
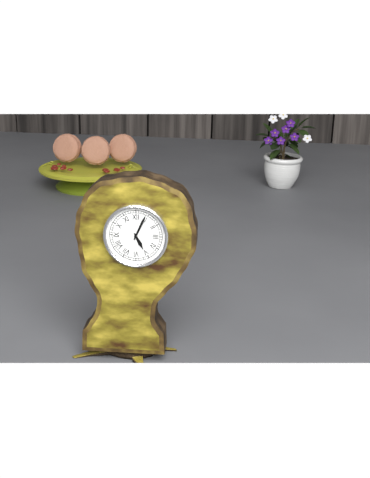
5:04
